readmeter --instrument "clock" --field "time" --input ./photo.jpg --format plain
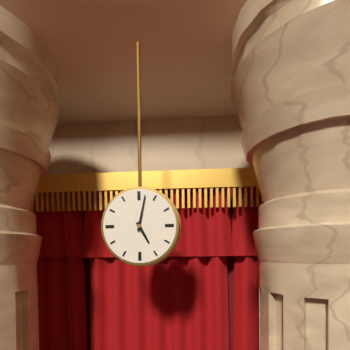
5:02
